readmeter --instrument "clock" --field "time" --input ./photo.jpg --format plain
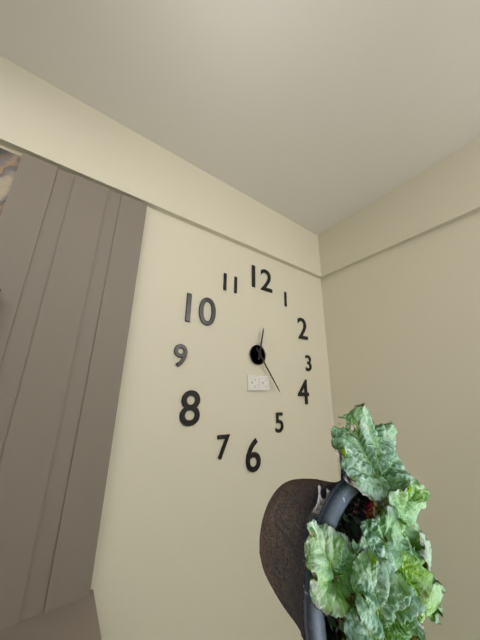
12:24
